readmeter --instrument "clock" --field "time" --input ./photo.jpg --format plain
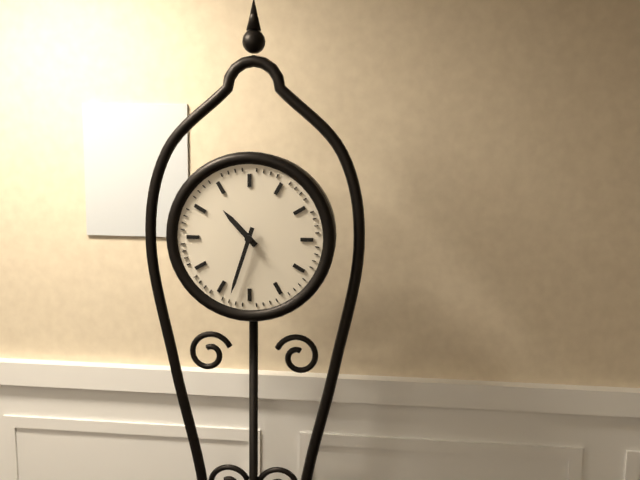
10:33
